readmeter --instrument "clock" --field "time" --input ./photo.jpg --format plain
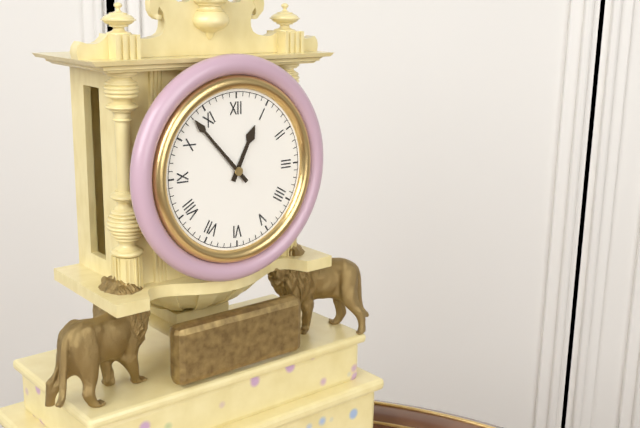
12:53
